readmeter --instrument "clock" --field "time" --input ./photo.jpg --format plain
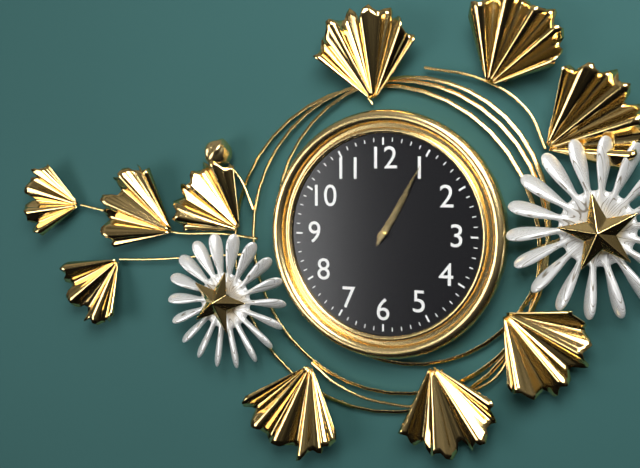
1:05
